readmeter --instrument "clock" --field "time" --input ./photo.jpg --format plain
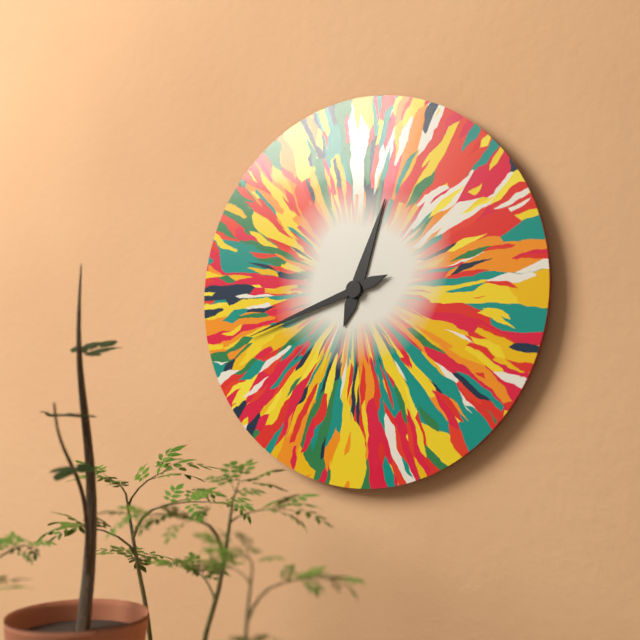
12:42
